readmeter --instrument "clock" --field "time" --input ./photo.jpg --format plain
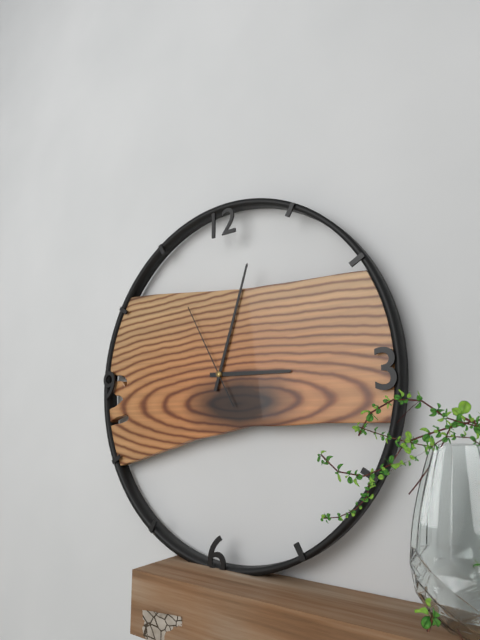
3:03:55
